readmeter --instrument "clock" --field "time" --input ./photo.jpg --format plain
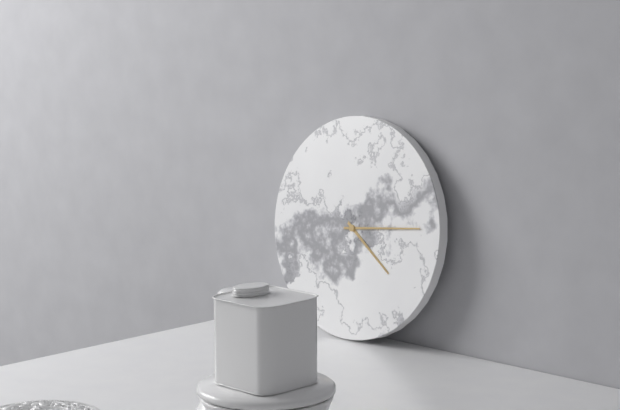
4:14
